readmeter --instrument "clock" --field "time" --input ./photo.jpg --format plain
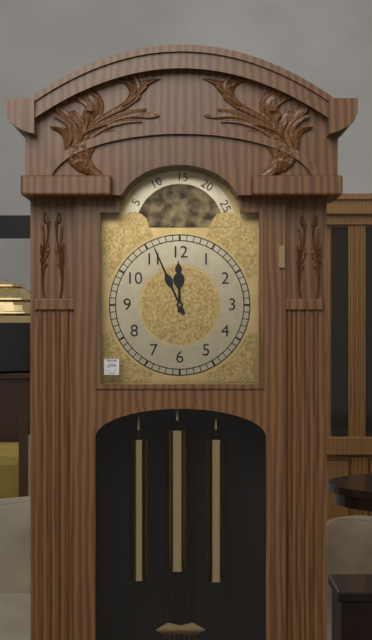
11:56
